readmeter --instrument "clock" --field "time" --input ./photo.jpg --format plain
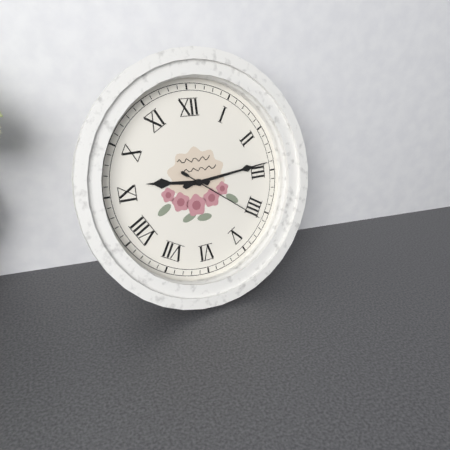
9:14:21
